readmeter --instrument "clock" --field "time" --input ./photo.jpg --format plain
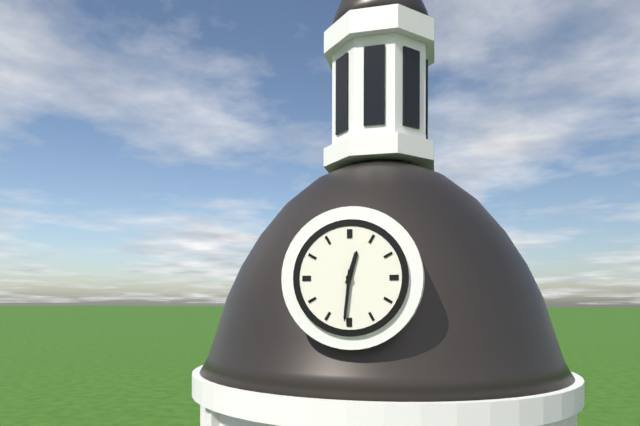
12:31
